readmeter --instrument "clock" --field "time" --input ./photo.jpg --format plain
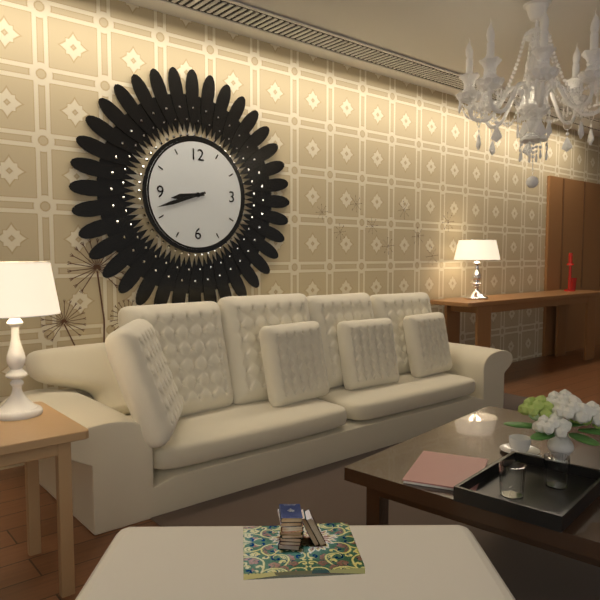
8:42
